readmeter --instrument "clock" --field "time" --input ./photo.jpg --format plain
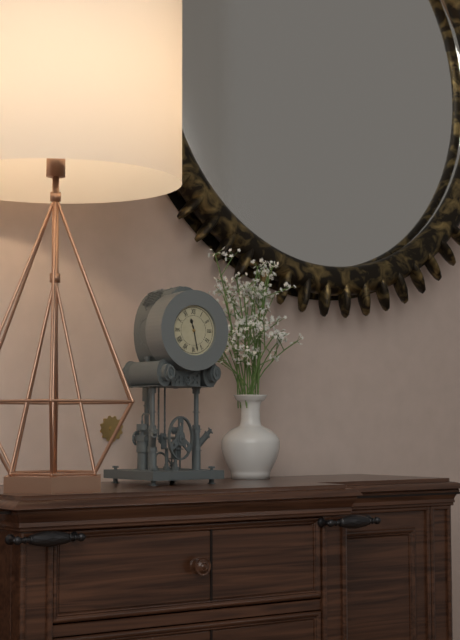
11:28
